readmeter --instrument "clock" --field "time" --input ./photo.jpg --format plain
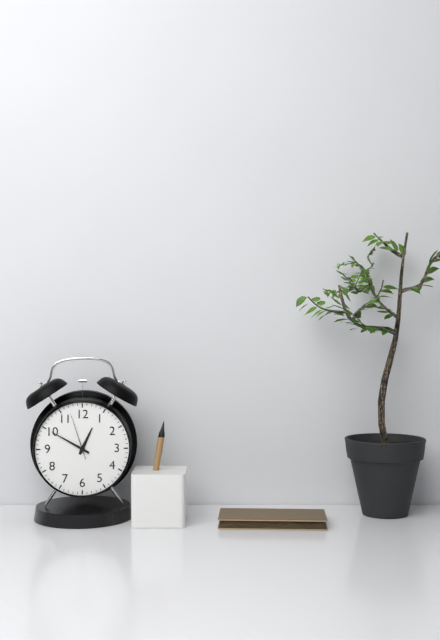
12:50
